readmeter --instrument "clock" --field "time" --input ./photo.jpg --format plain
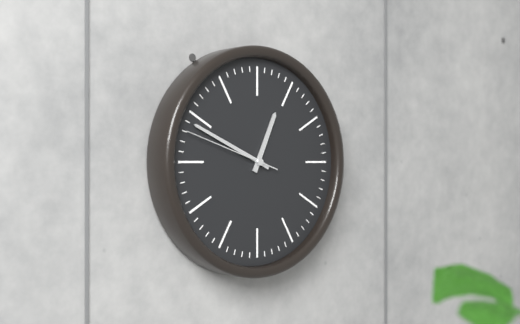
12:49:48
